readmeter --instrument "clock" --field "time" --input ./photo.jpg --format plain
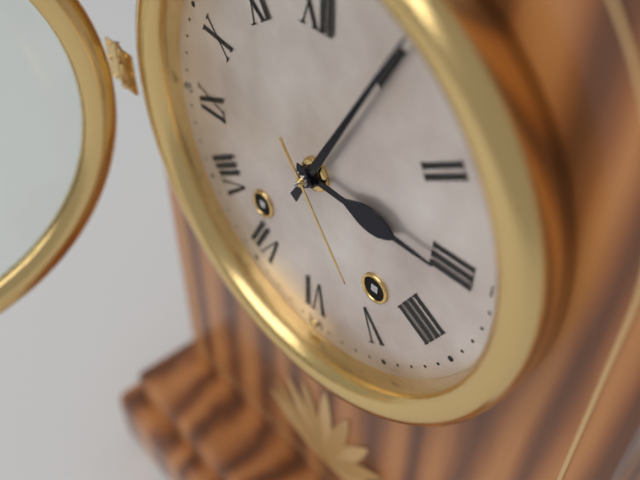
3:05
